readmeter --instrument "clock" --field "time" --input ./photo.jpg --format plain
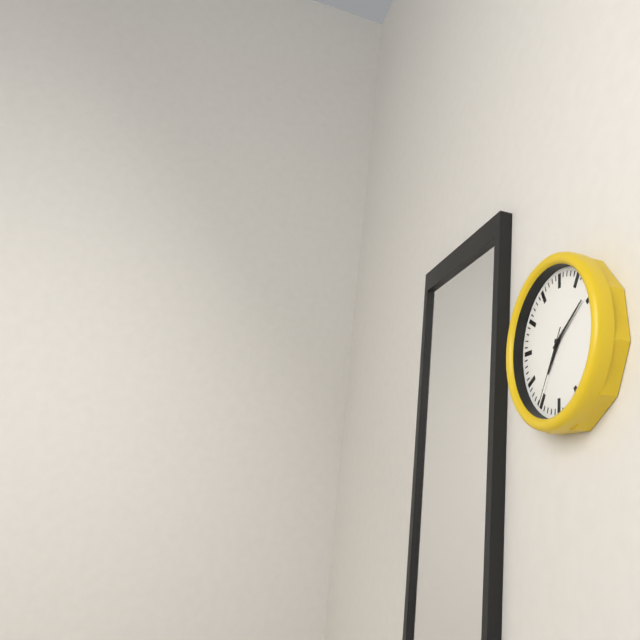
7:09:35
